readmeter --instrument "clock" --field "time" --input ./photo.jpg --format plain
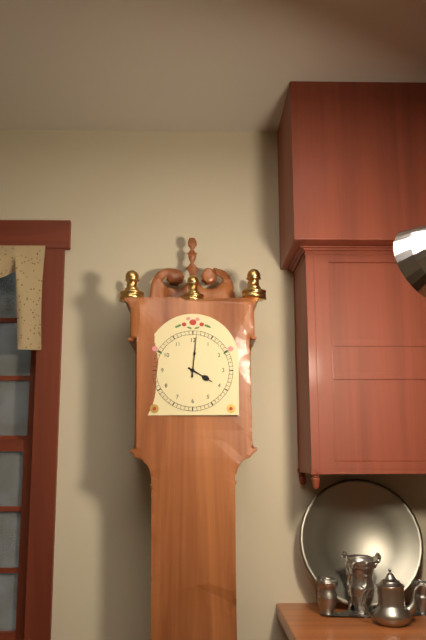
4:01
